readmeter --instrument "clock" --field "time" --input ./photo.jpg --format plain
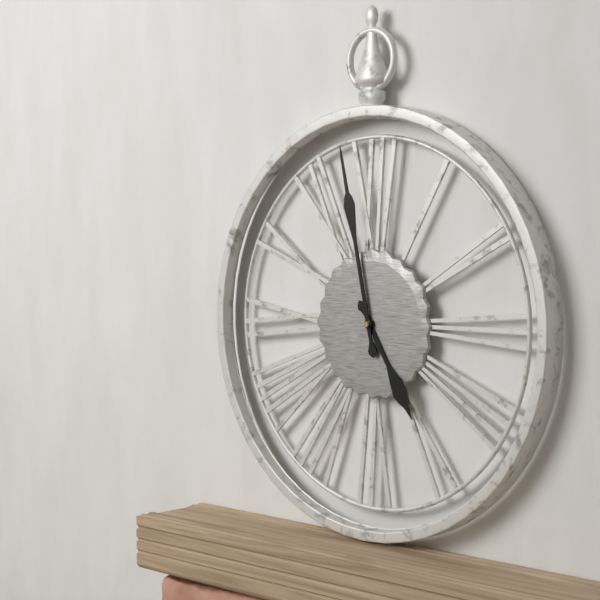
4:58
